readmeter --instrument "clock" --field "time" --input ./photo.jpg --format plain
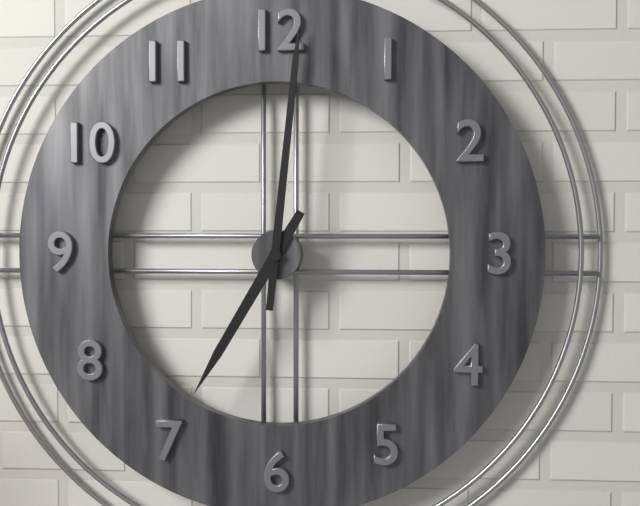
7:01
